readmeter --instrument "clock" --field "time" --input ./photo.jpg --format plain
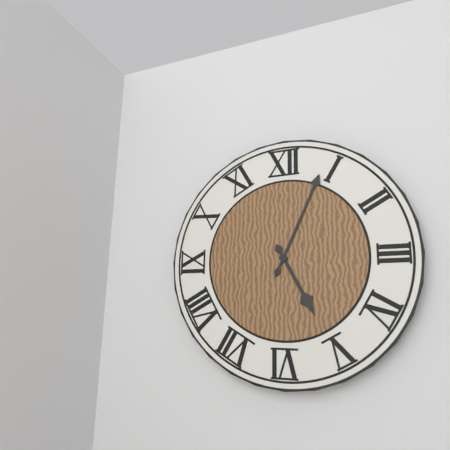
5:04
